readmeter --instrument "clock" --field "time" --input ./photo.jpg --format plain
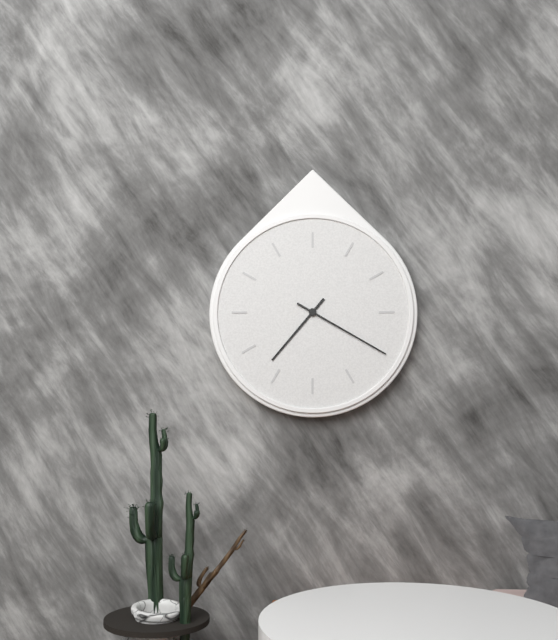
7:20
